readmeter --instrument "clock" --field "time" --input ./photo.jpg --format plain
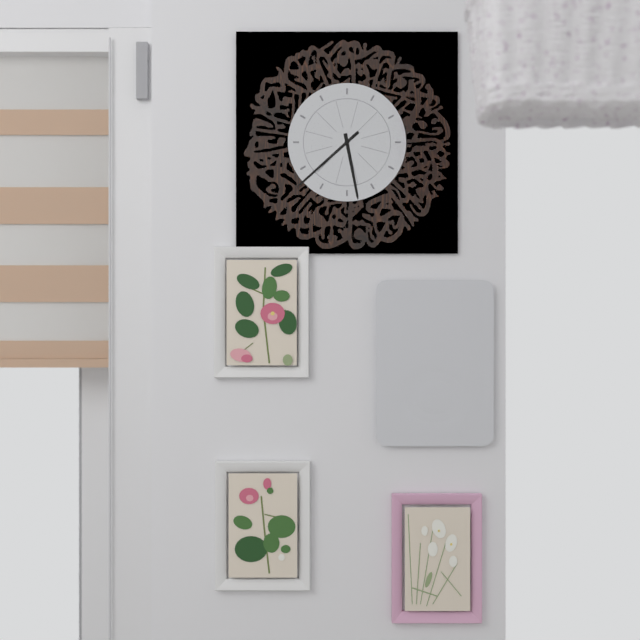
5:38
